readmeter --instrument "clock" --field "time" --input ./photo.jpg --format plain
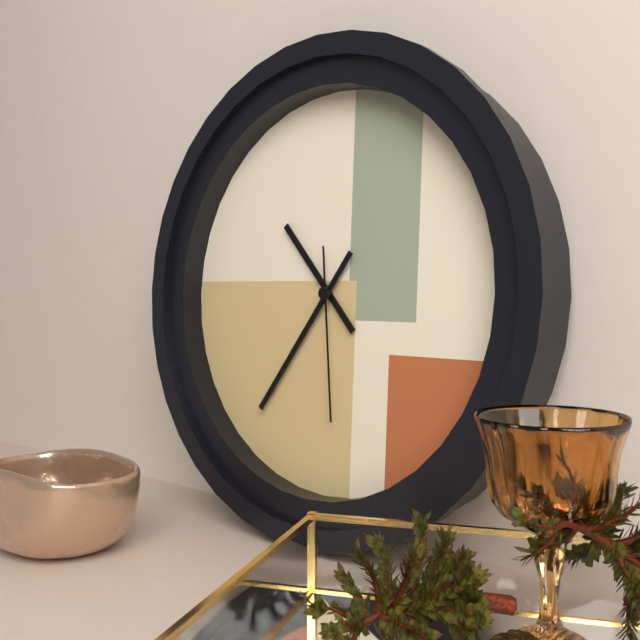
10:36:29
